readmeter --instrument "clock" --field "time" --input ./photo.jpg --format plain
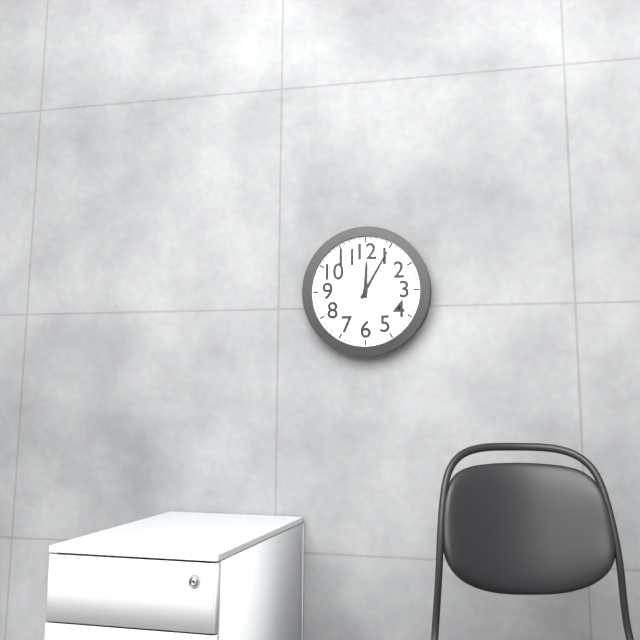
12:05
